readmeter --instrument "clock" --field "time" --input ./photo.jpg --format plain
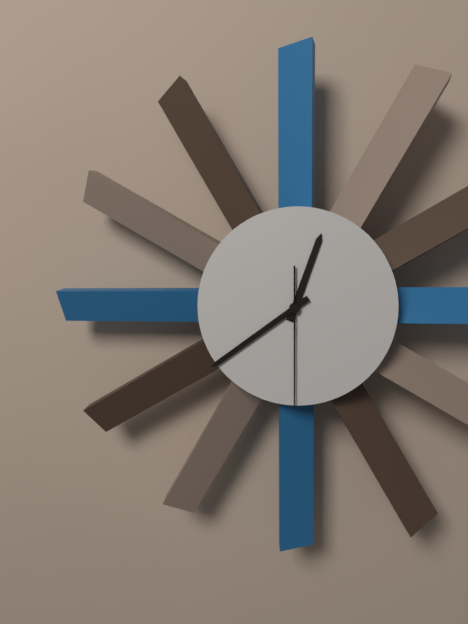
12:39:30
